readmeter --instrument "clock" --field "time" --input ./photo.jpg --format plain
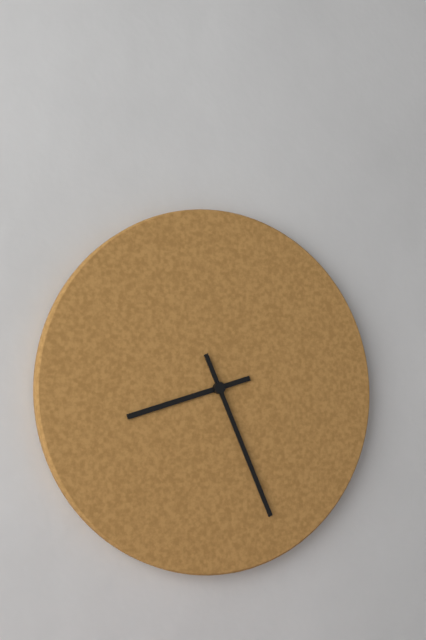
8:26
